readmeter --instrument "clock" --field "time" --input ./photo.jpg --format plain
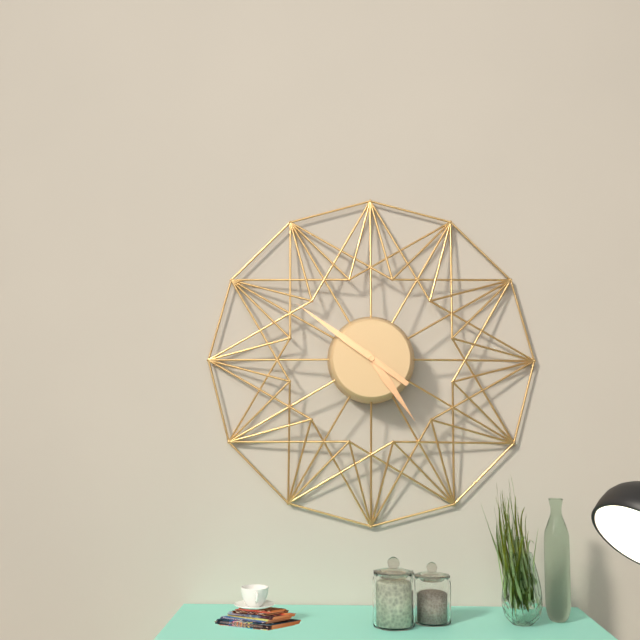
4:51
